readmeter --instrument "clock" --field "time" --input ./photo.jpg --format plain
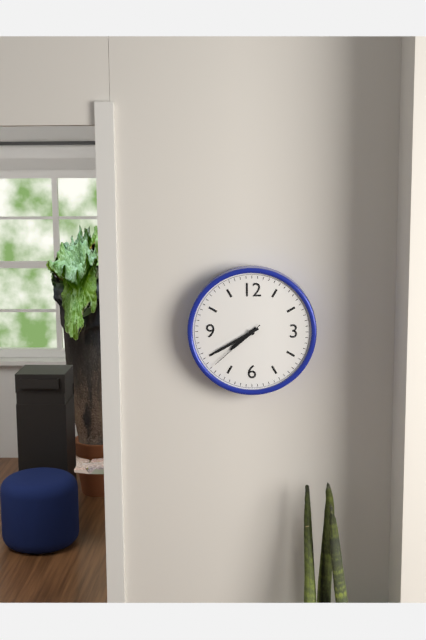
7:40:38
